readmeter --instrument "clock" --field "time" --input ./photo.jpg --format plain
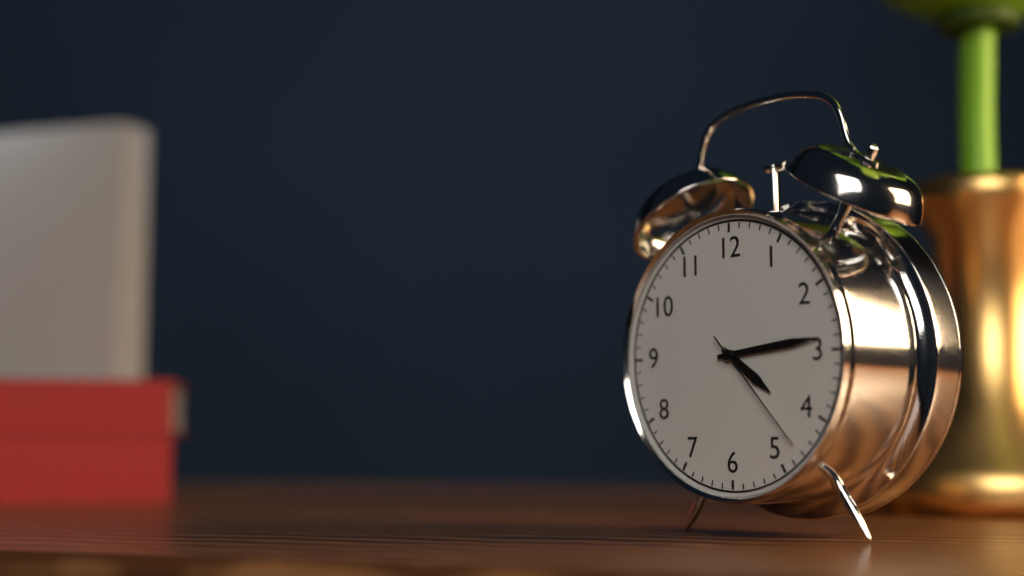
4:14:23
